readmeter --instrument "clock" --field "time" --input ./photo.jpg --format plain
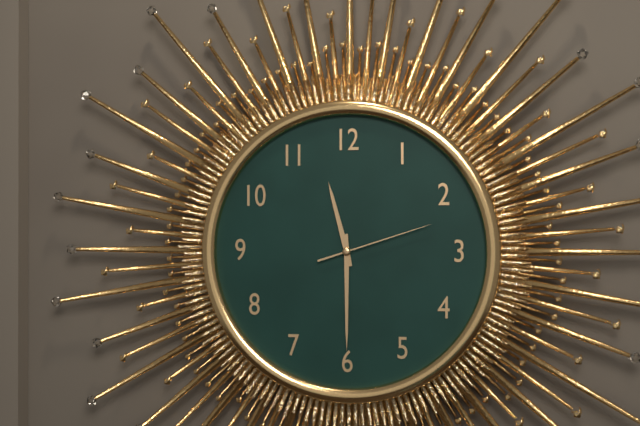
11:30:12
